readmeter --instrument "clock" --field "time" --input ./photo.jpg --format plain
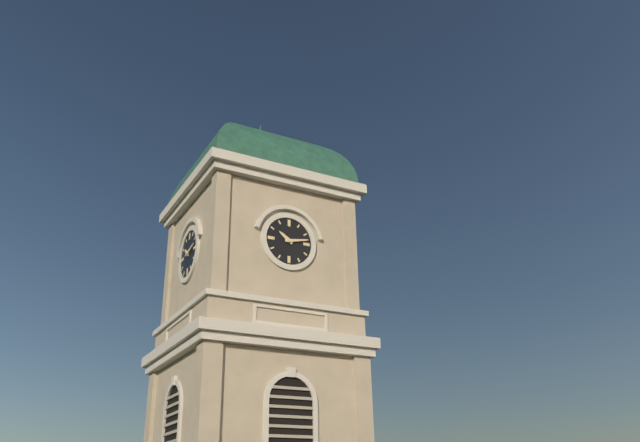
10:13
